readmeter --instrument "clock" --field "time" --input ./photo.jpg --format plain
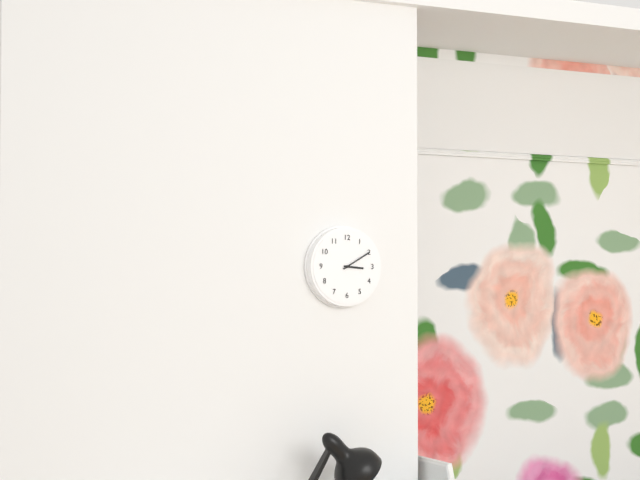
3:10
